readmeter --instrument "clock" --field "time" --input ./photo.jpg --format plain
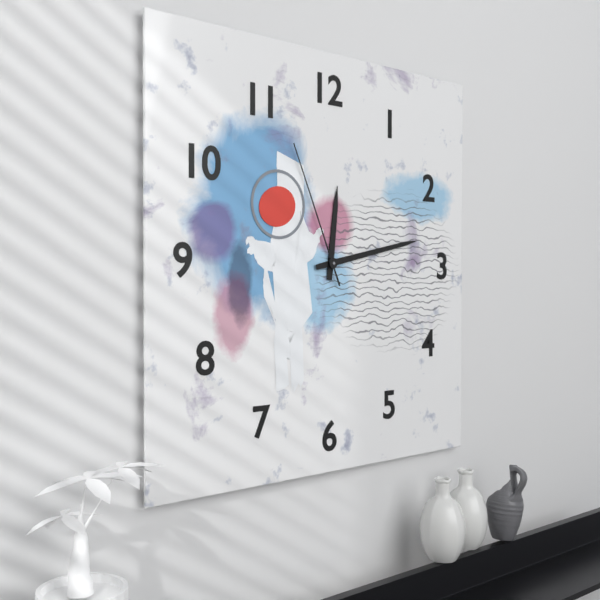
12:13:56
